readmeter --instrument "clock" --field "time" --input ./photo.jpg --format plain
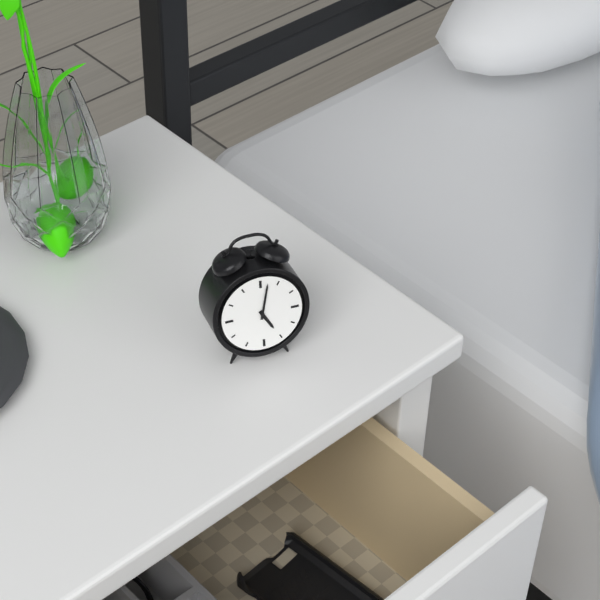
5:02
